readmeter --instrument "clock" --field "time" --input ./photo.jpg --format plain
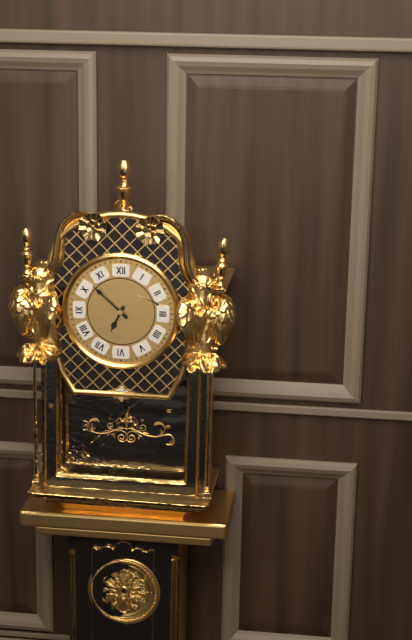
6:52
